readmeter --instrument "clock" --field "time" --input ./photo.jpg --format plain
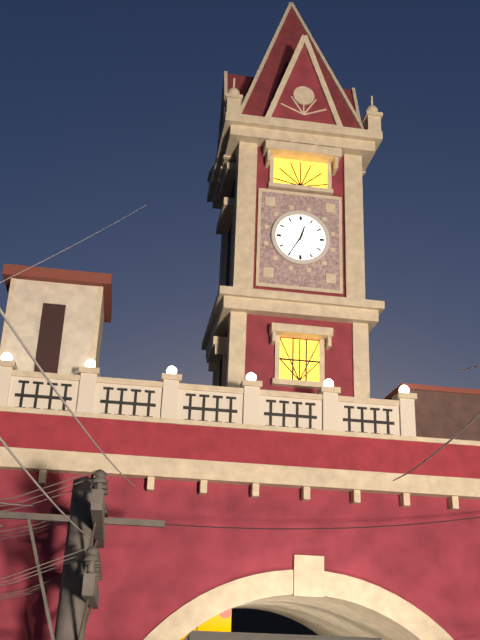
12:35
